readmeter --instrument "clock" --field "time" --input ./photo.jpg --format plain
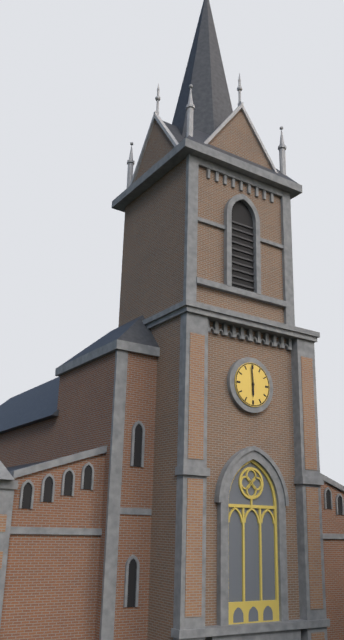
5:59
